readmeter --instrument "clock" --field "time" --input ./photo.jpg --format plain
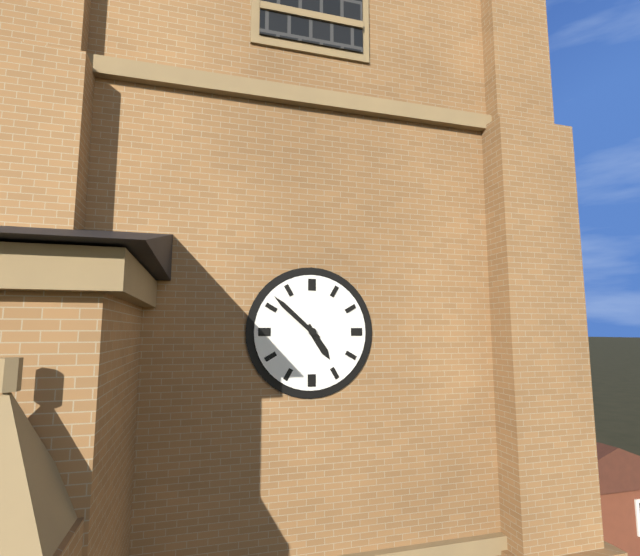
4:52
